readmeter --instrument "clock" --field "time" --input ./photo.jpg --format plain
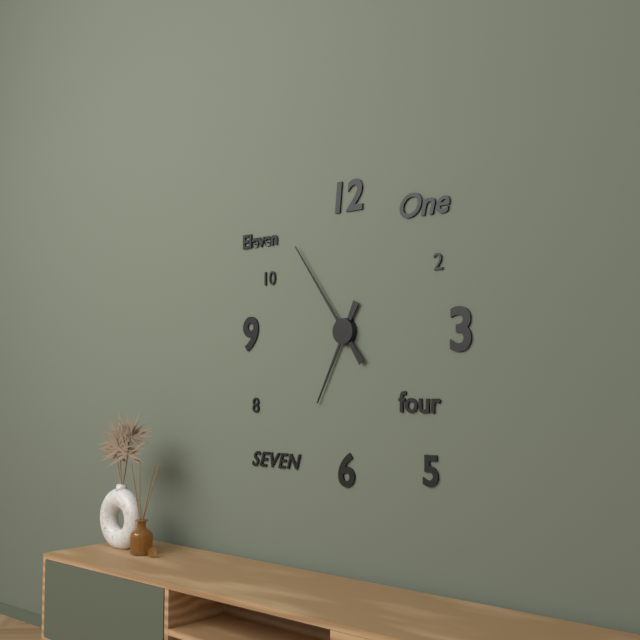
6:54
